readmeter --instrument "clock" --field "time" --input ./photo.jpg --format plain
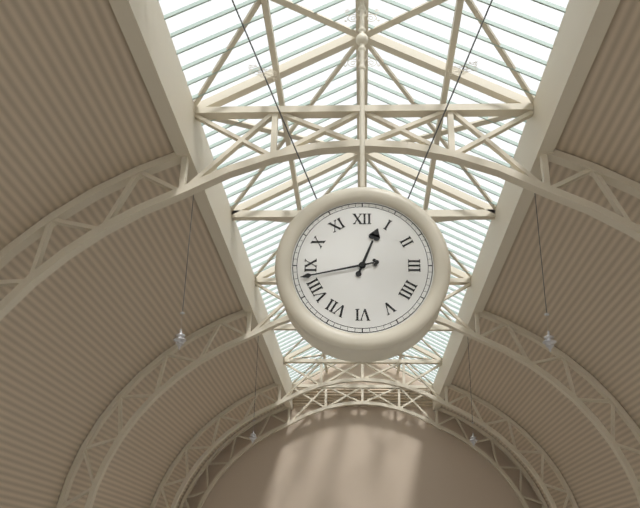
12:43
